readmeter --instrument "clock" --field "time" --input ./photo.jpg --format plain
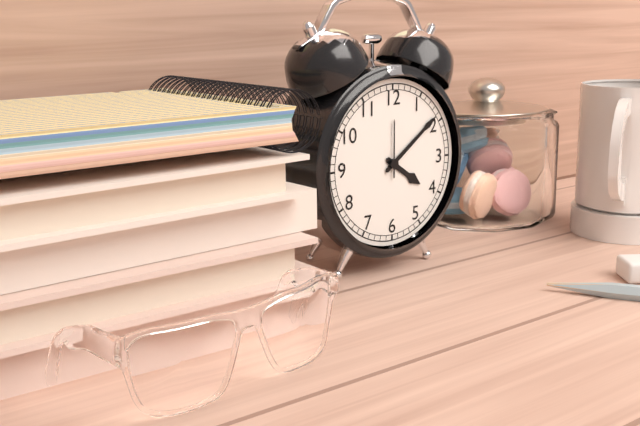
4:09:00
